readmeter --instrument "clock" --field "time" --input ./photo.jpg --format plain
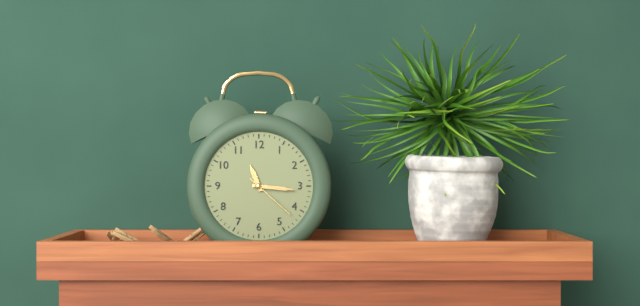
11:16:22
